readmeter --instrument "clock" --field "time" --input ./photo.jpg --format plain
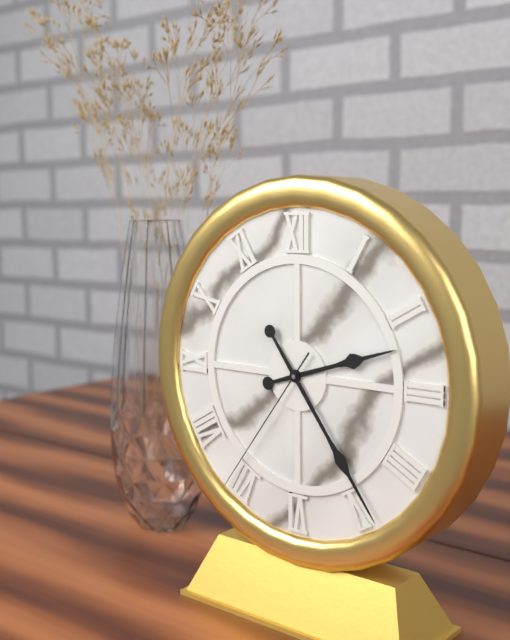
2:24:36
